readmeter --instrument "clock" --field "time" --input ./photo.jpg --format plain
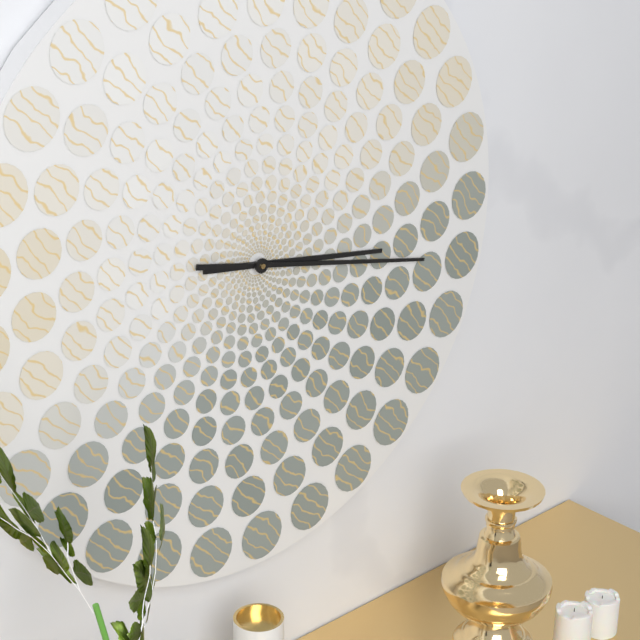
3:17
